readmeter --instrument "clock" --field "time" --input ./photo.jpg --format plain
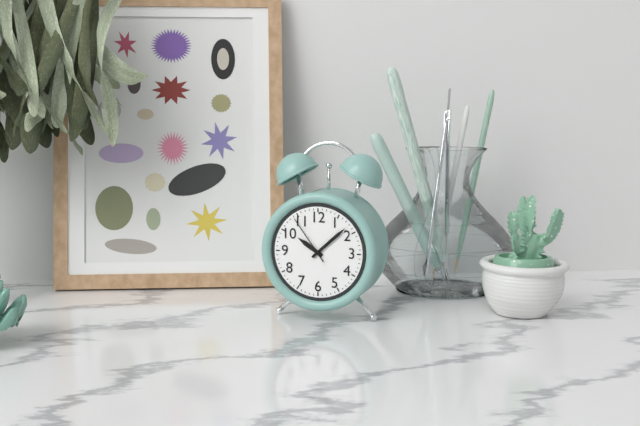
10:08:54
